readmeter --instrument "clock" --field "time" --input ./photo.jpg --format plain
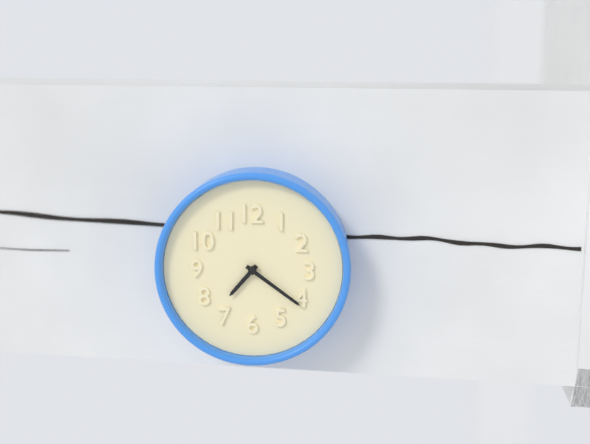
7:21
